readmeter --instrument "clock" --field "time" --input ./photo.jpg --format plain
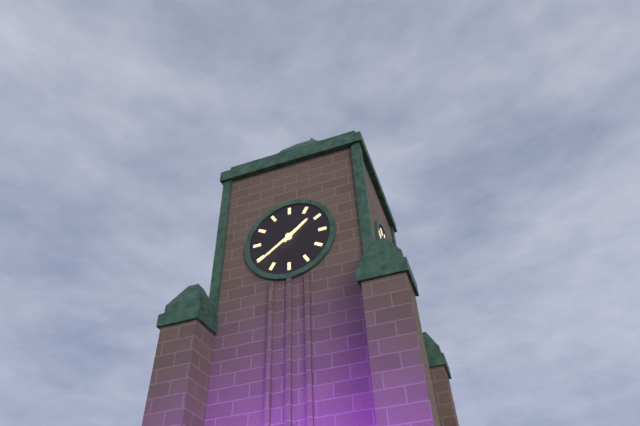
1:39
